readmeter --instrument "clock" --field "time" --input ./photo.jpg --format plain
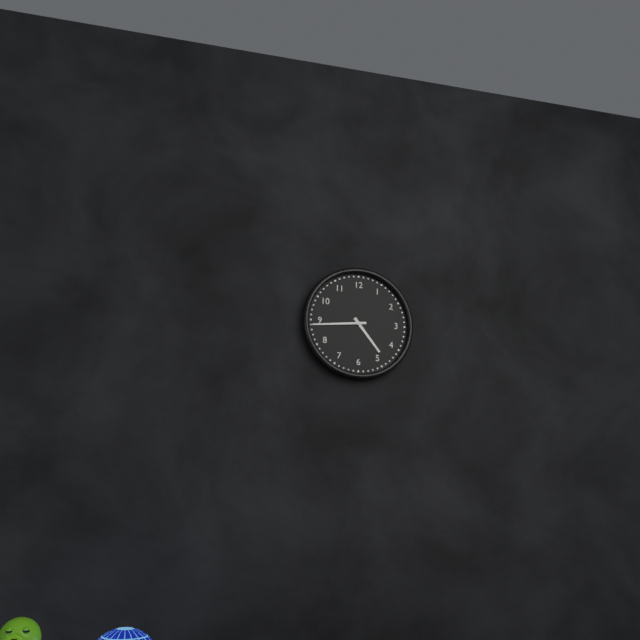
4:44
